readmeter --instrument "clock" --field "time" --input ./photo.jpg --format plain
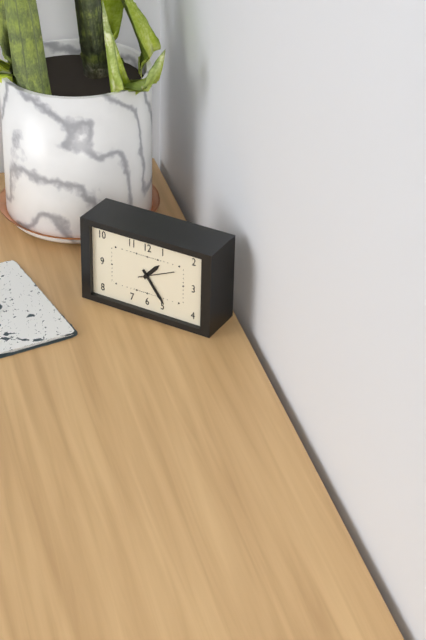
1:24
